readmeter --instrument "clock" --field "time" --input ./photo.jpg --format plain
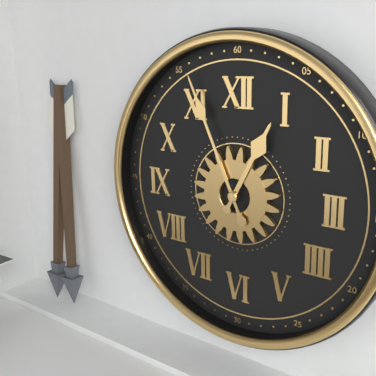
12:56
